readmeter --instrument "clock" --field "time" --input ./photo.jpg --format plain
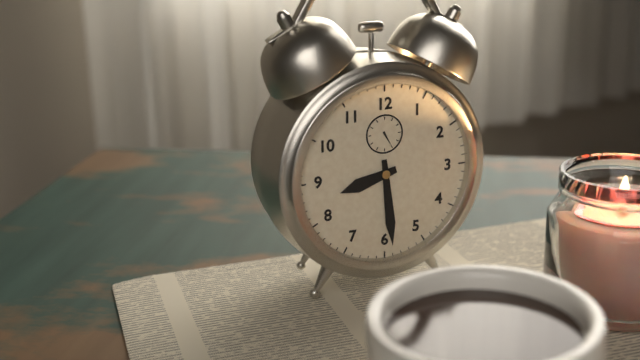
8:29
